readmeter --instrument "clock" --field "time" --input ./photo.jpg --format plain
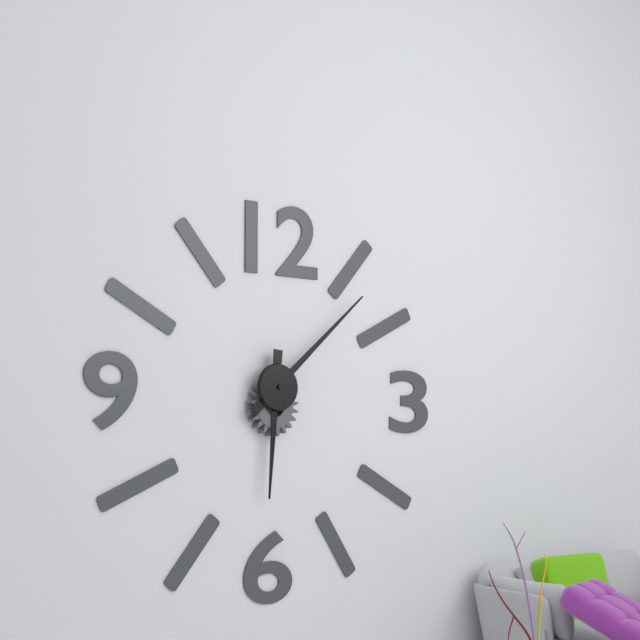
6:08
